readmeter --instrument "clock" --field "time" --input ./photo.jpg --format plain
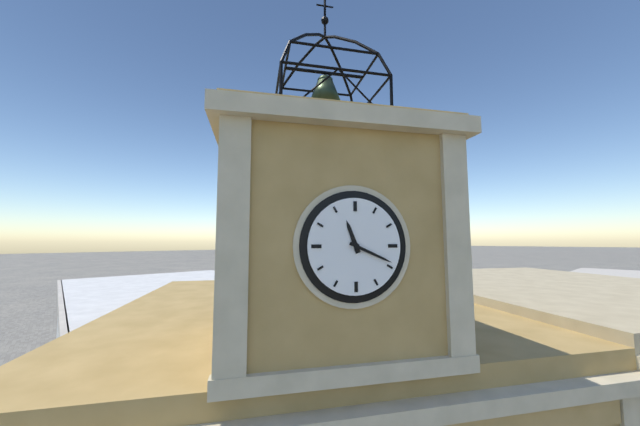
11:19
